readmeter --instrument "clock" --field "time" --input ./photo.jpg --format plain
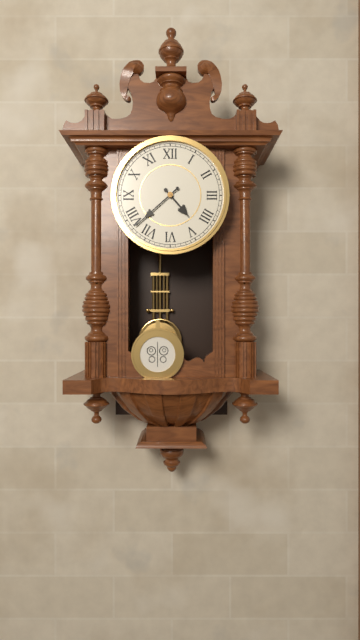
4:38
